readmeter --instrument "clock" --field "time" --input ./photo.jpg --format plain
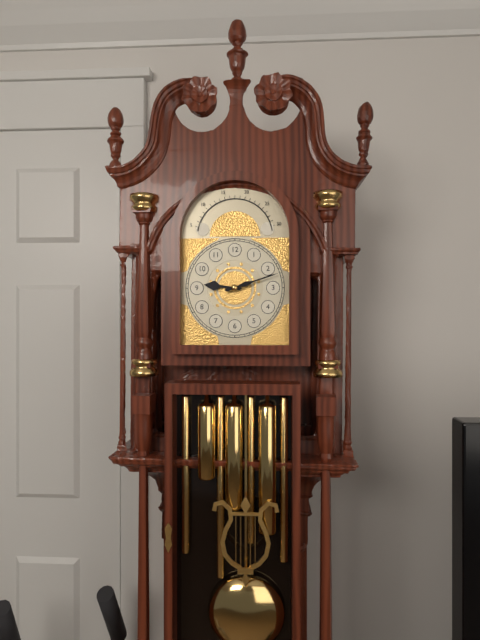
9:12
